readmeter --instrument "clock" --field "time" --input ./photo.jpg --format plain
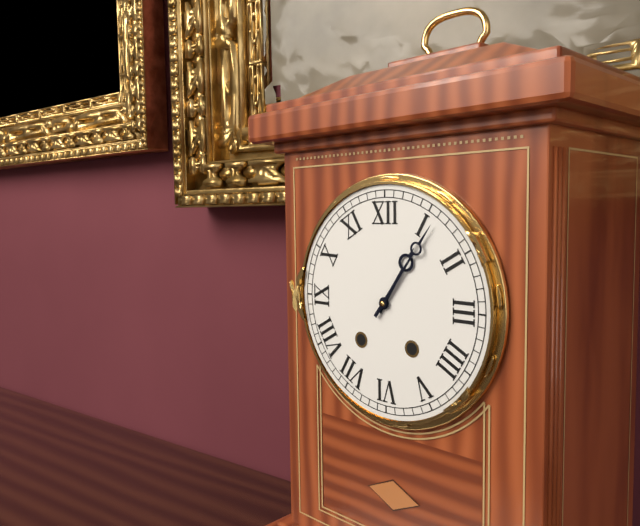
1:06
